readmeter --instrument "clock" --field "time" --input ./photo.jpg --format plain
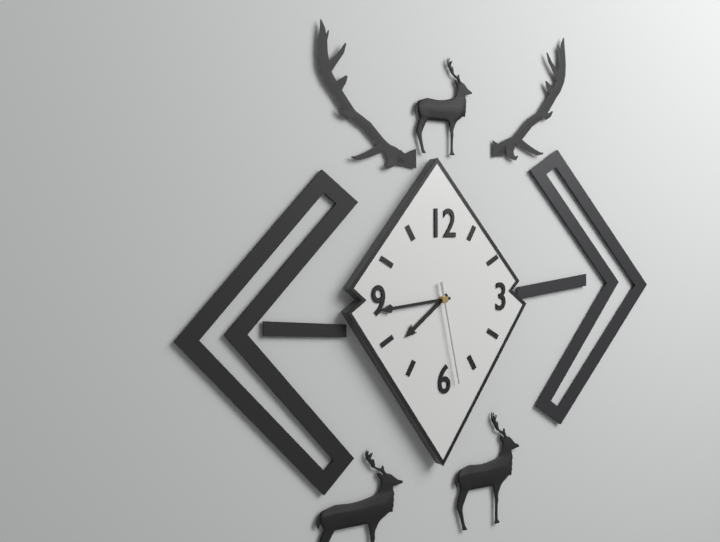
7:44:28
